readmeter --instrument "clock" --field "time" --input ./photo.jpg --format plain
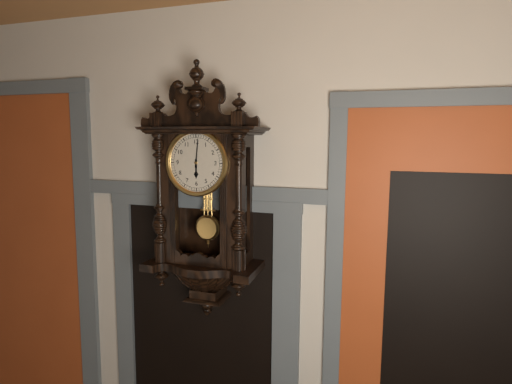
6:01
